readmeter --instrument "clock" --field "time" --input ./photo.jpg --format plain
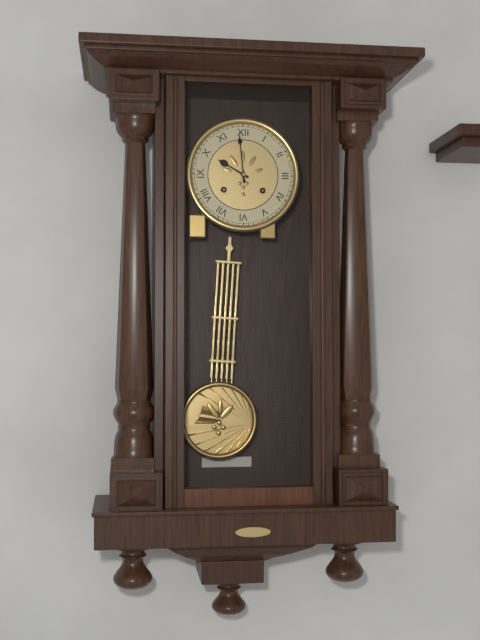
9:59
